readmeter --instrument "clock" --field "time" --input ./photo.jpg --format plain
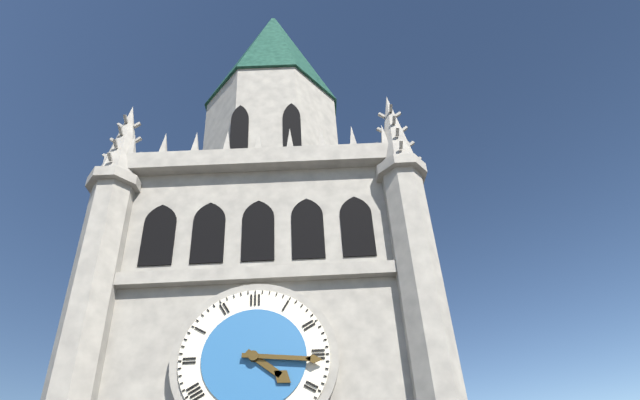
4:16
